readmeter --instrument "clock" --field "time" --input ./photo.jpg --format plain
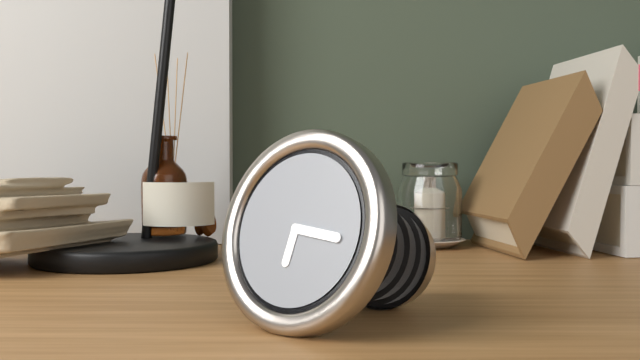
6:16
